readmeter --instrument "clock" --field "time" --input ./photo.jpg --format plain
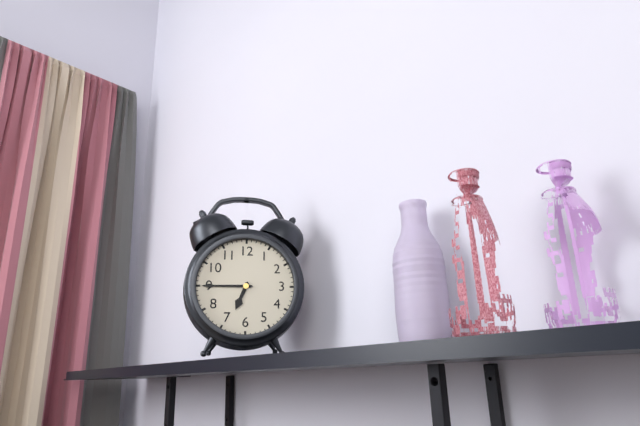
6:45
